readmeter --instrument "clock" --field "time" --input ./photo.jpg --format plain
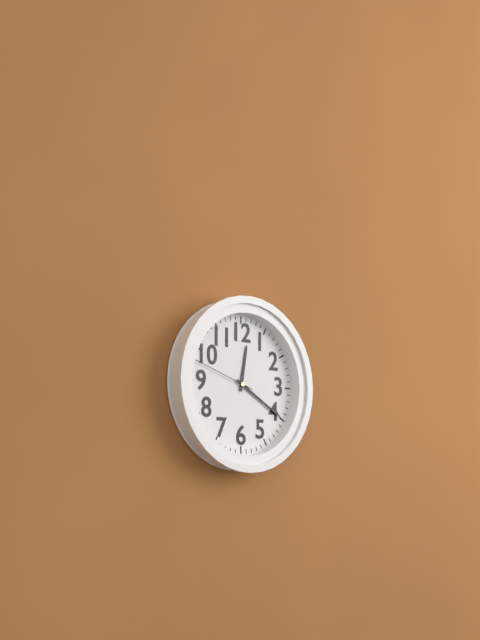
12:20:48
